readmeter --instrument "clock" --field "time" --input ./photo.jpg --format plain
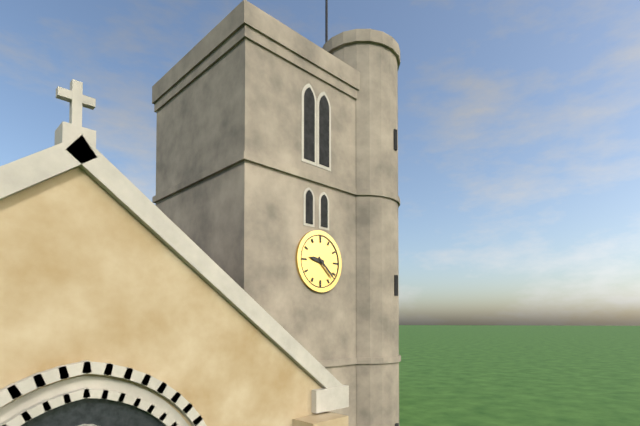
9:22
